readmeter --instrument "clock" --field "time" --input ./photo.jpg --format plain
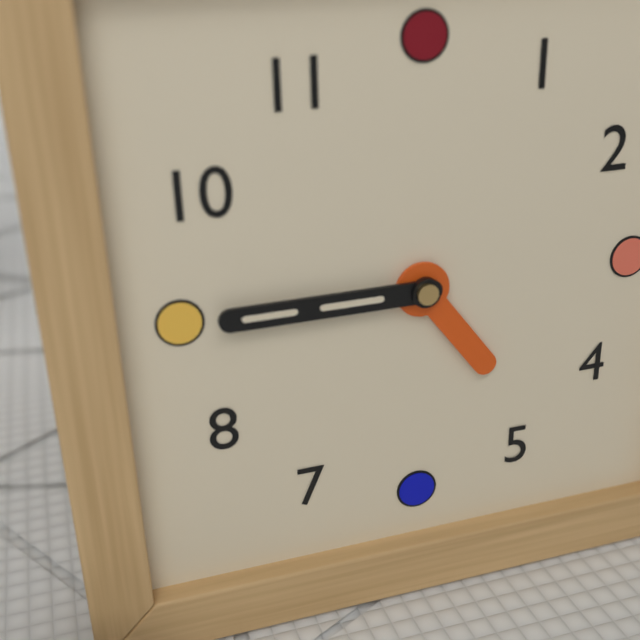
4:45
